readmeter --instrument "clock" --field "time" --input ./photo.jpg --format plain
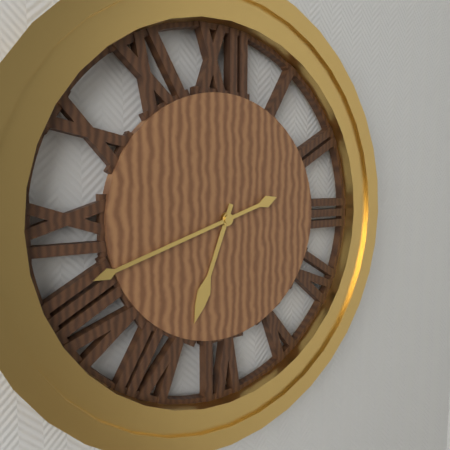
6:42
